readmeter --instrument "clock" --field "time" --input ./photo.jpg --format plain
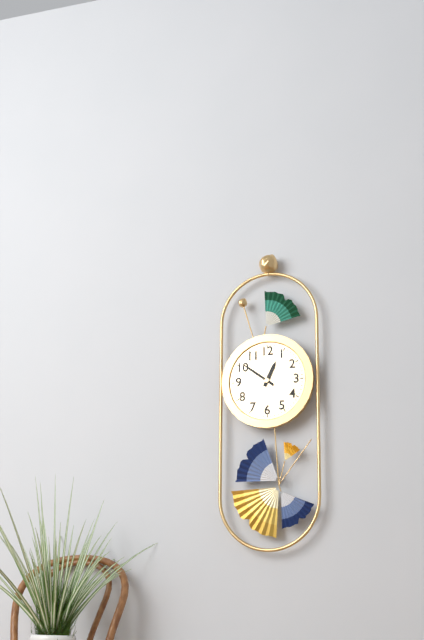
12:51
